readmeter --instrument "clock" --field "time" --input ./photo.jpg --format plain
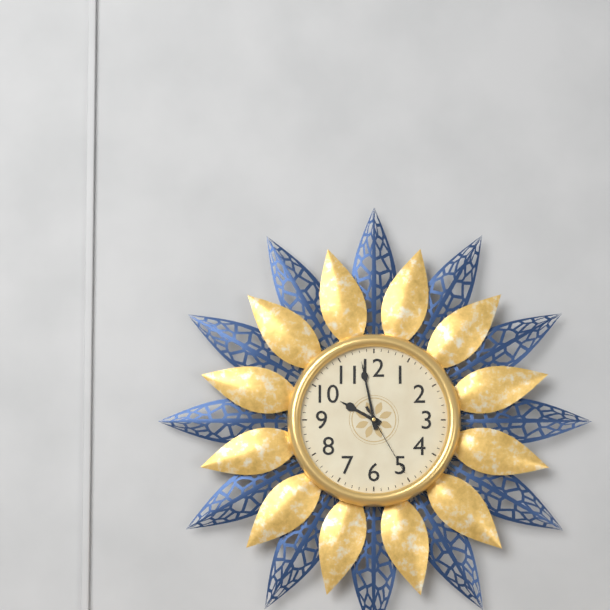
9:58:25
